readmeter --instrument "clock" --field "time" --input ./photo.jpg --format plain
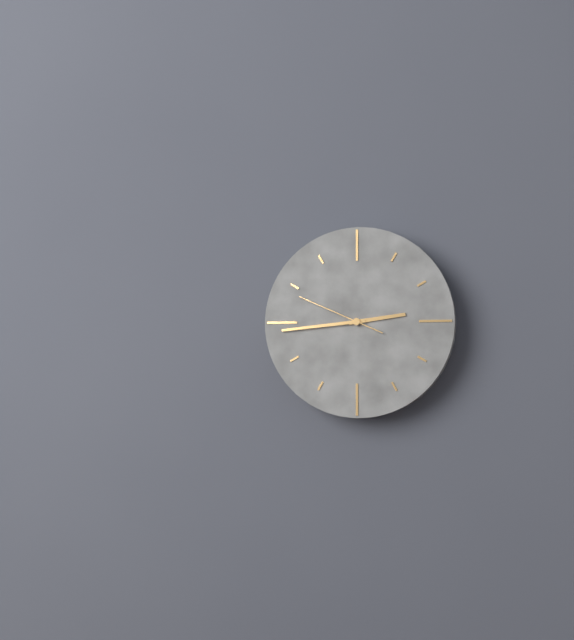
2:44:49
